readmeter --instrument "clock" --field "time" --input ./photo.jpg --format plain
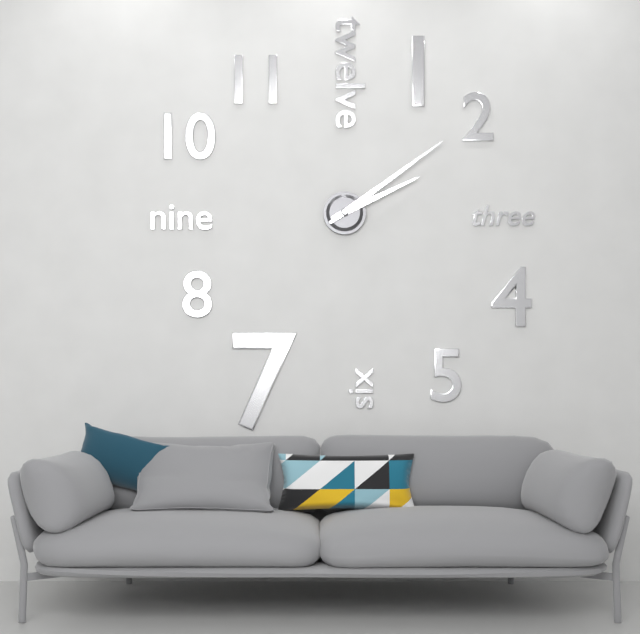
2:09
